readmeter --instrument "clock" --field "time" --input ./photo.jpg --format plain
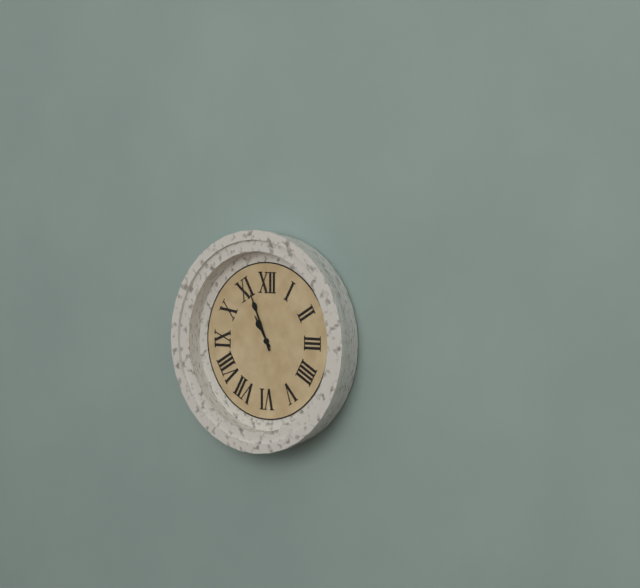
10:56
